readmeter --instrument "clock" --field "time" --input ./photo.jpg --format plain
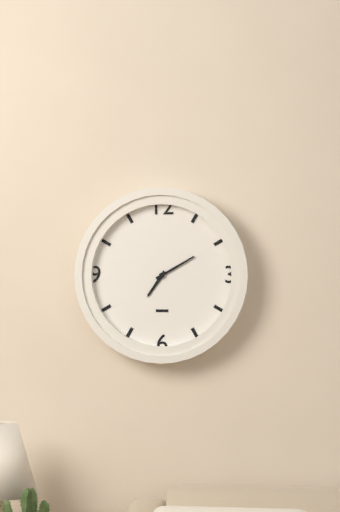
7:10
